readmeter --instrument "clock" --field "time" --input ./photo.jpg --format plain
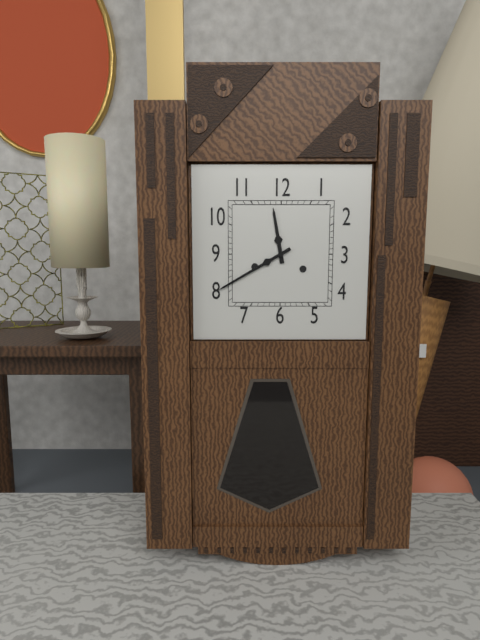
11:40
